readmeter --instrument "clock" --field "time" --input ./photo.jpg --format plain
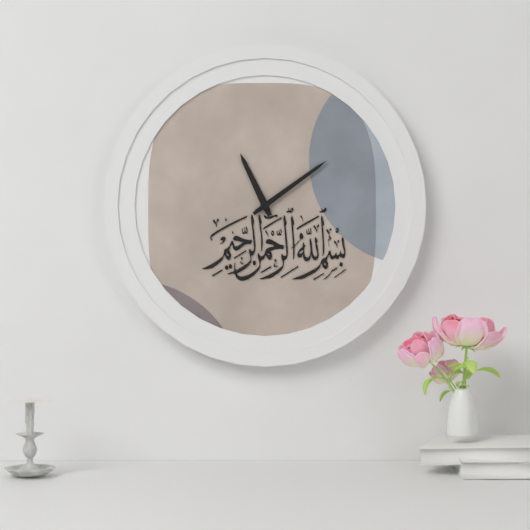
11:09
